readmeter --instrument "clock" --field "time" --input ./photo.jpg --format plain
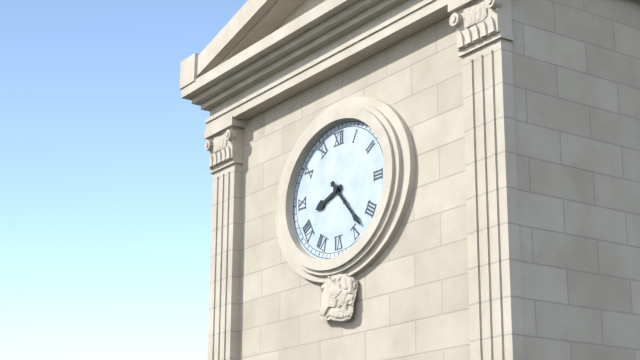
8:23
